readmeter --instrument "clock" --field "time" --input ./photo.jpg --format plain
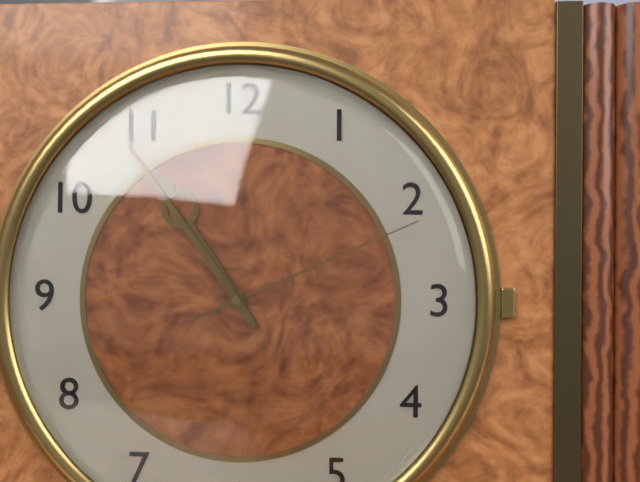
10:54:11
